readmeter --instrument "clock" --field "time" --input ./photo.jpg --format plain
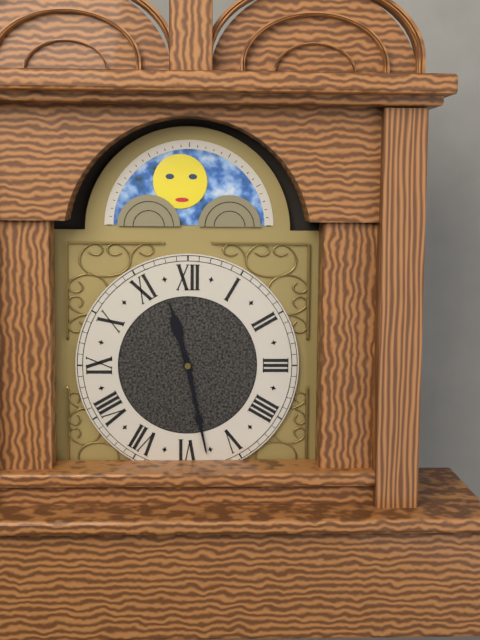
11:28
